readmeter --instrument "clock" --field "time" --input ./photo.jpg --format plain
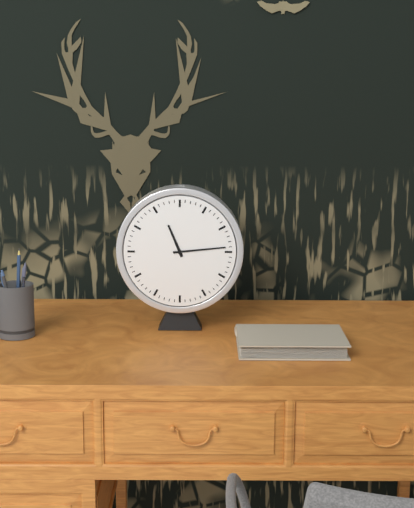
11:14
